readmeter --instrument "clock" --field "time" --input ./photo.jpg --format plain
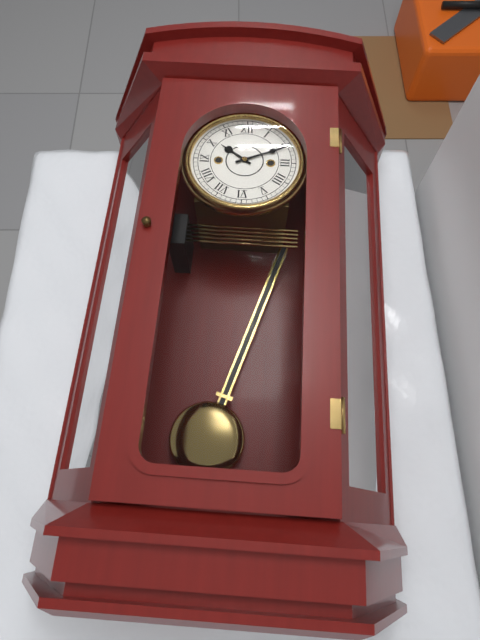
10:11
